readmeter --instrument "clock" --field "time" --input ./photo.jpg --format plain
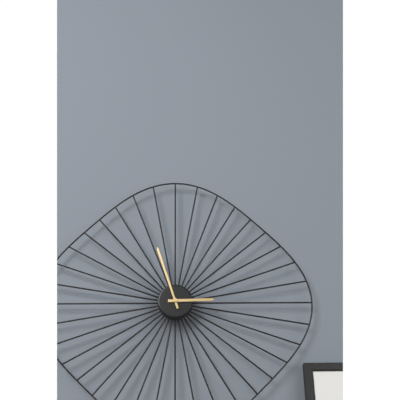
2:57
